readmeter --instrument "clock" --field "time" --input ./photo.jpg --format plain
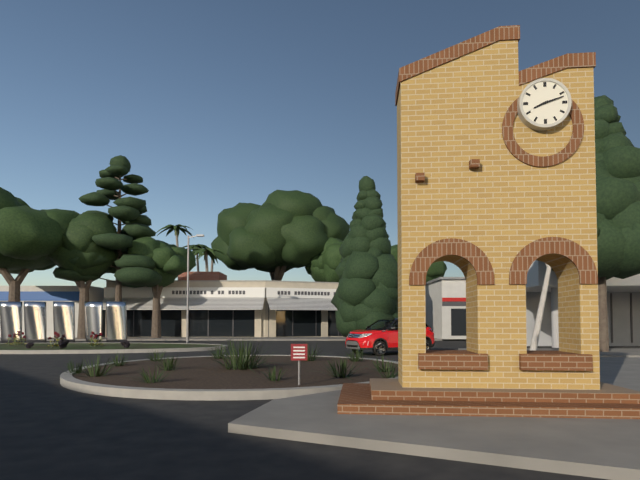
8:12
